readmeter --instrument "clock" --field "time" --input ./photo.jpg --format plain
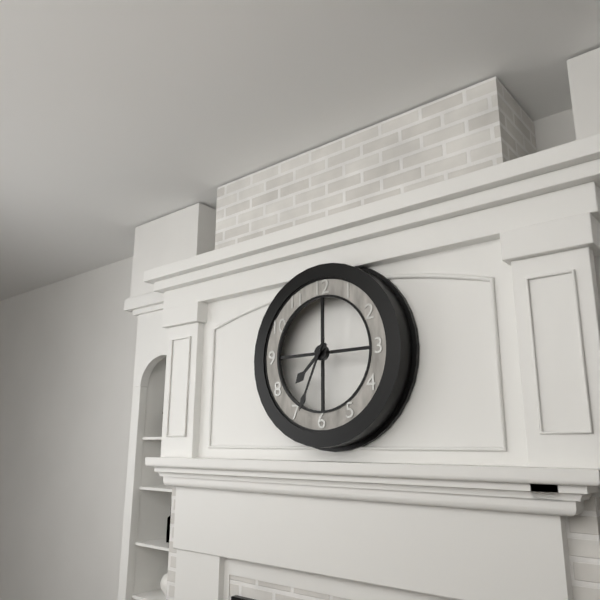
7:34
